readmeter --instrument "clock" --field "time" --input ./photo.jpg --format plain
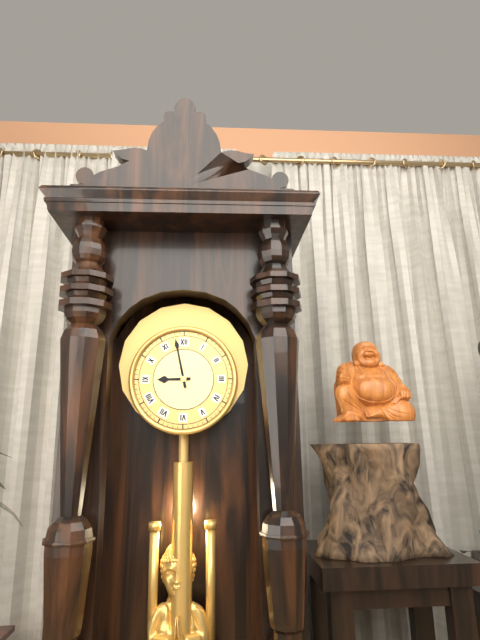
8:58
